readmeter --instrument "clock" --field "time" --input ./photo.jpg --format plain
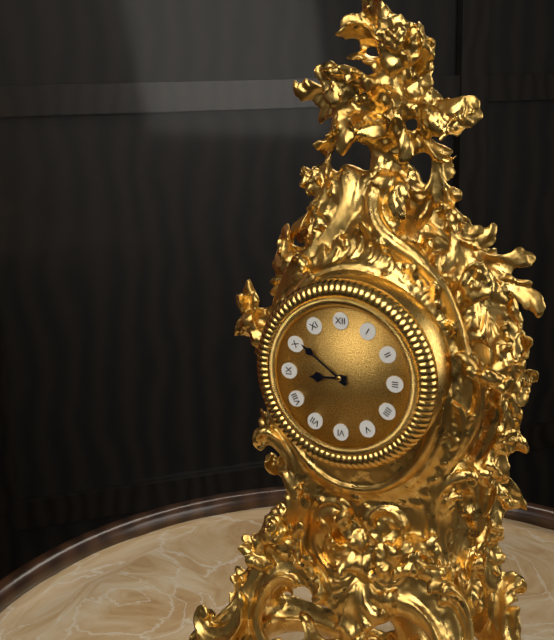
8:51
